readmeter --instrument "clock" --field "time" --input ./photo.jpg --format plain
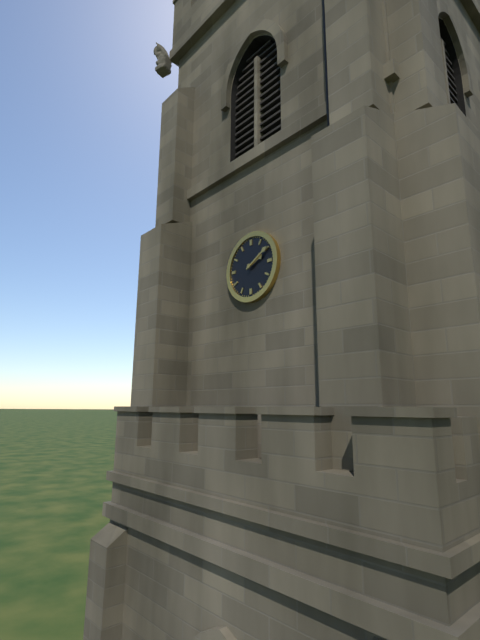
2:10
